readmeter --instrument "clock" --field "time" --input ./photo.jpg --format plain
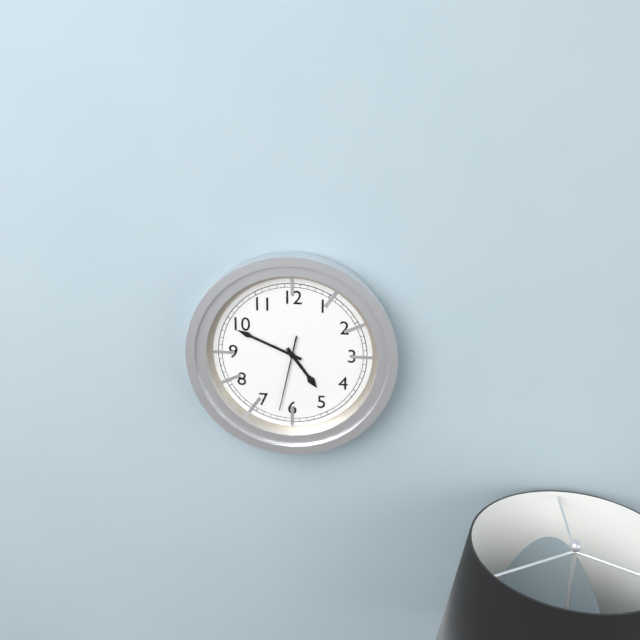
4:49:32
